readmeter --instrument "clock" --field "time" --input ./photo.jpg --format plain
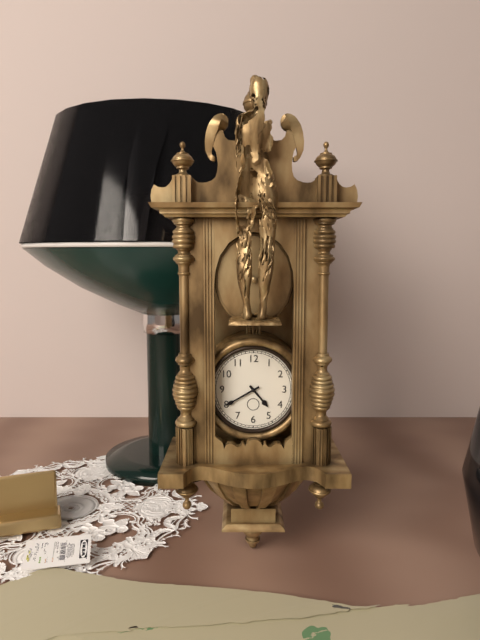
4:40
